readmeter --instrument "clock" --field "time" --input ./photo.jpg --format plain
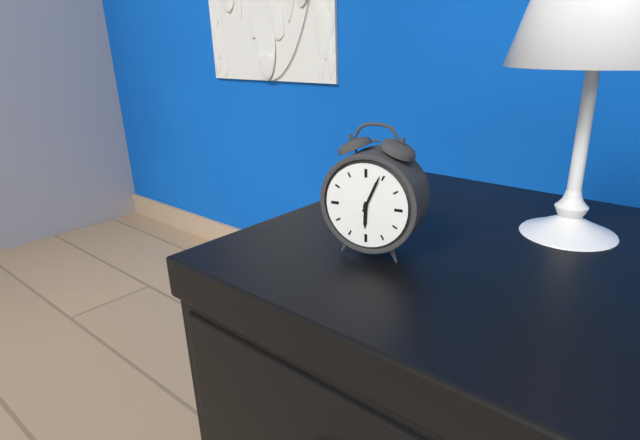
6:04
